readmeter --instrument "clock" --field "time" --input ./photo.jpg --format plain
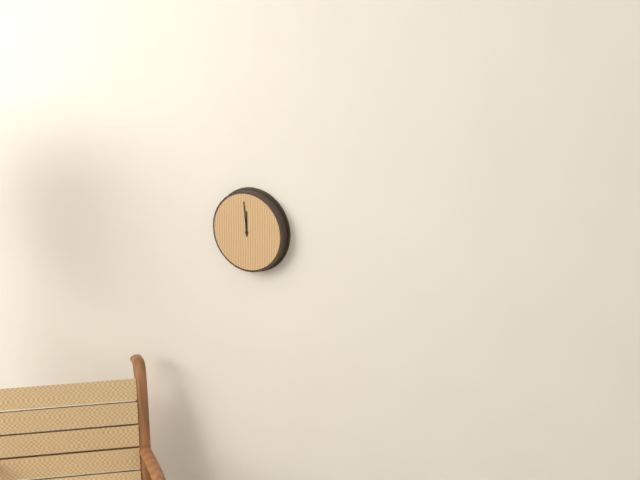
11:59
